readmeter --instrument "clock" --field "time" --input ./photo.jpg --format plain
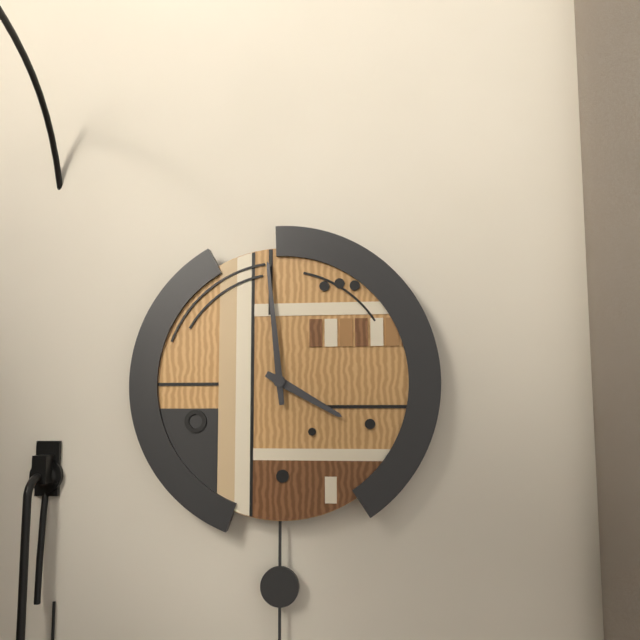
3:59
